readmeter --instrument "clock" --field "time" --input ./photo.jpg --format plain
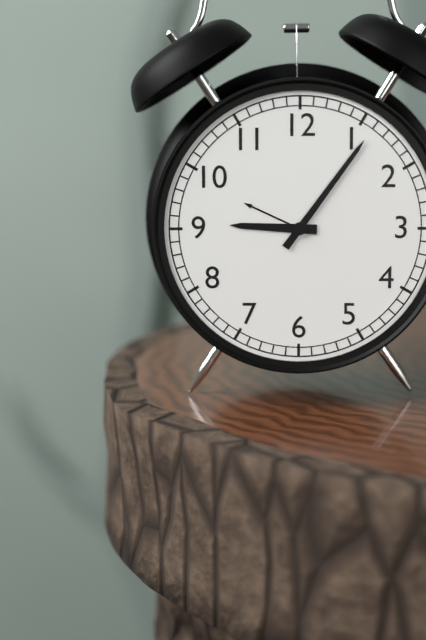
9:06
